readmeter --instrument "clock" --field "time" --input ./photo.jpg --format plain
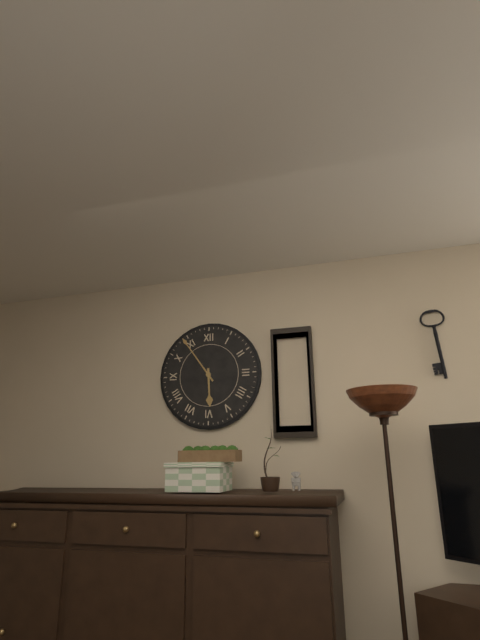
5:54
